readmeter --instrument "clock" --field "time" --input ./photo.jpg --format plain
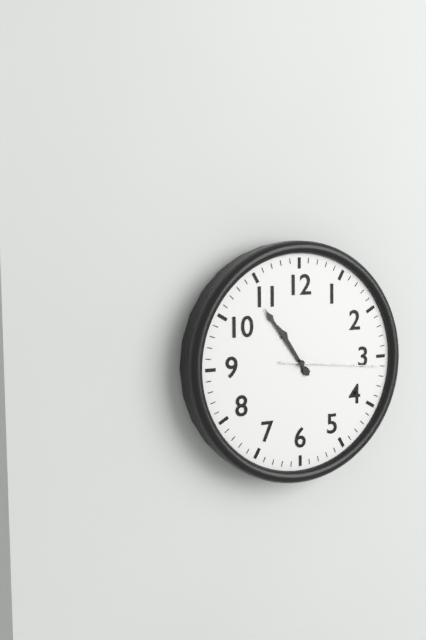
10:54:16
